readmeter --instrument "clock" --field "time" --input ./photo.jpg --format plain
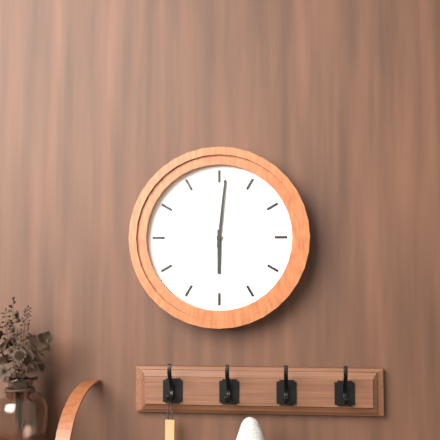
6:01:09
